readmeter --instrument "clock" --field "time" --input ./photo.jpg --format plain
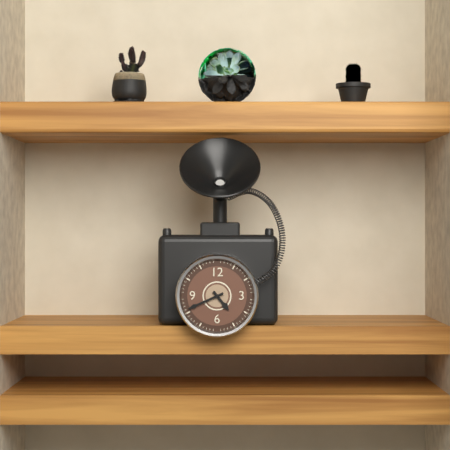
4:41
